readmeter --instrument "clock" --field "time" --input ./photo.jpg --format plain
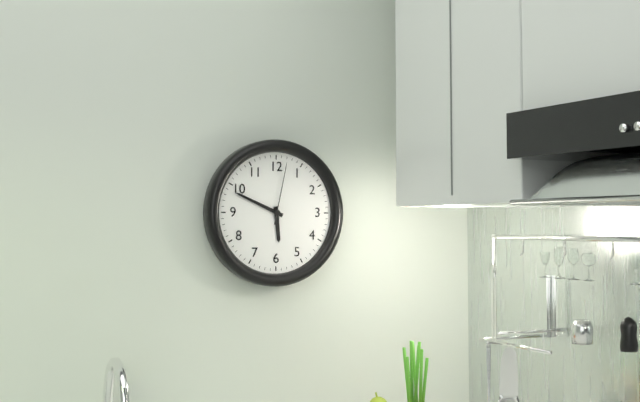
5:49:02
